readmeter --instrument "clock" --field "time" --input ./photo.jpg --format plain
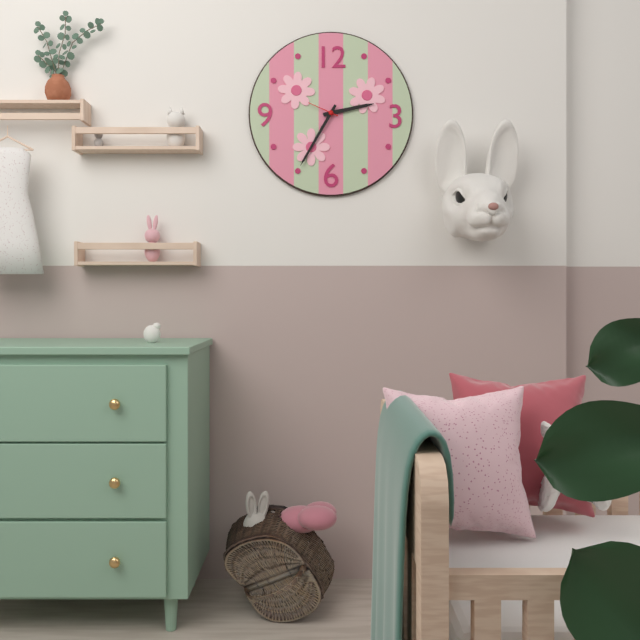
2:35
